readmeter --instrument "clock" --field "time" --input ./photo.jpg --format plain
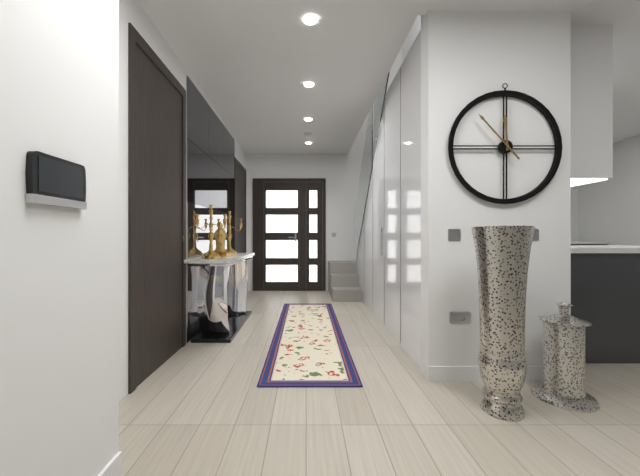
11:53
